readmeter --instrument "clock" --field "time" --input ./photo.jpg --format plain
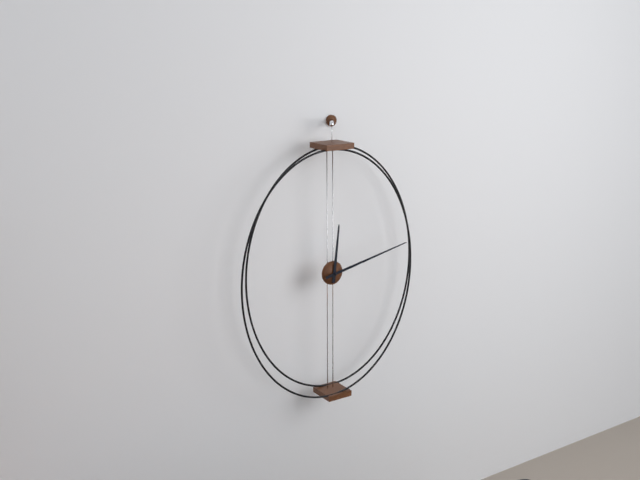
12:13
